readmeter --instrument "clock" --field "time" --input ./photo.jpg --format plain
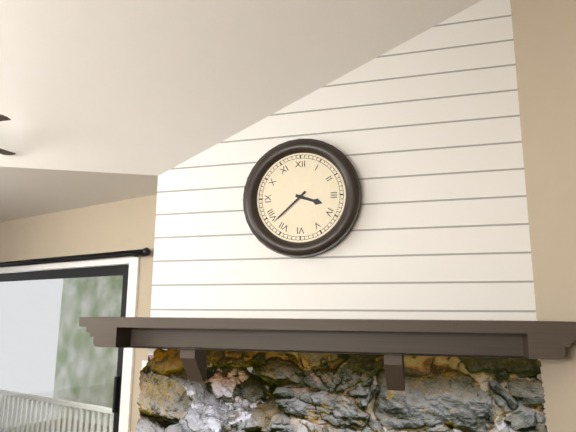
3:38
